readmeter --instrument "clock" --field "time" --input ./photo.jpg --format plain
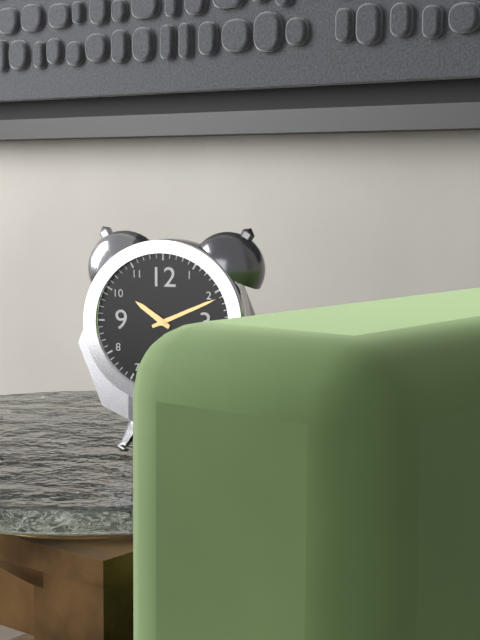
10:11
